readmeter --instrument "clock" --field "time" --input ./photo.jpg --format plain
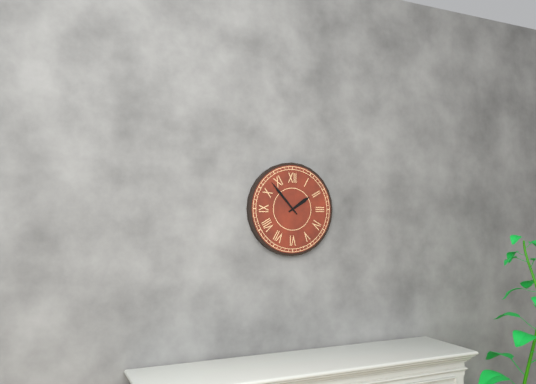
1:53
